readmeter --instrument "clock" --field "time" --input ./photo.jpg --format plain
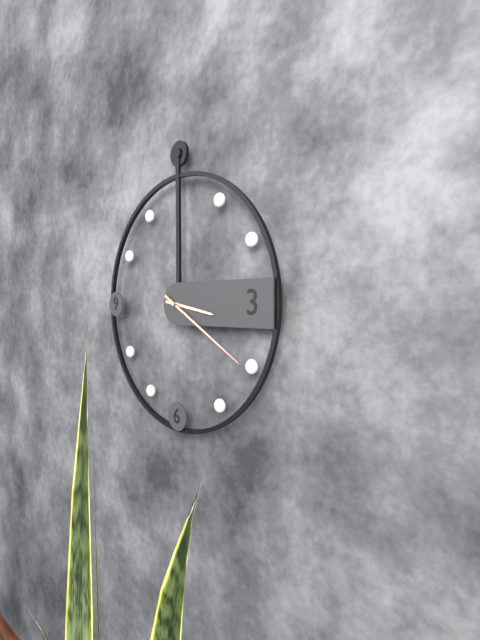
3:20
